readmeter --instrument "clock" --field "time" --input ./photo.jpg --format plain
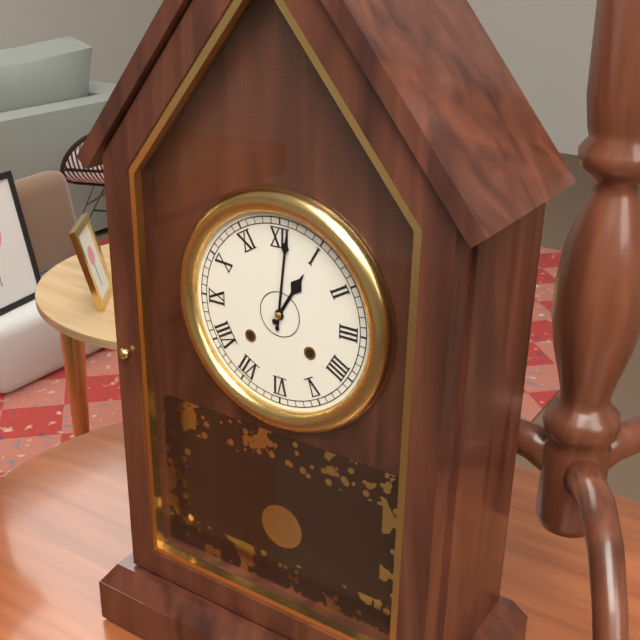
1:01
